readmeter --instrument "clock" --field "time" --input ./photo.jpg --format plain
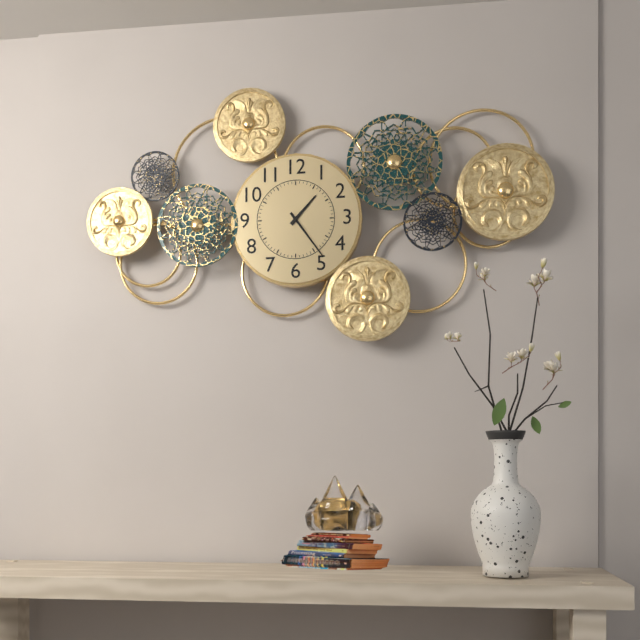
1:24
